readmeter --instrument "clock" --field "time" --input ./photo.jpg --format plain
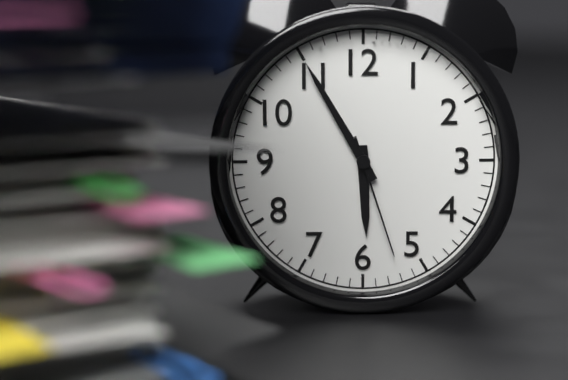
5:55:27
